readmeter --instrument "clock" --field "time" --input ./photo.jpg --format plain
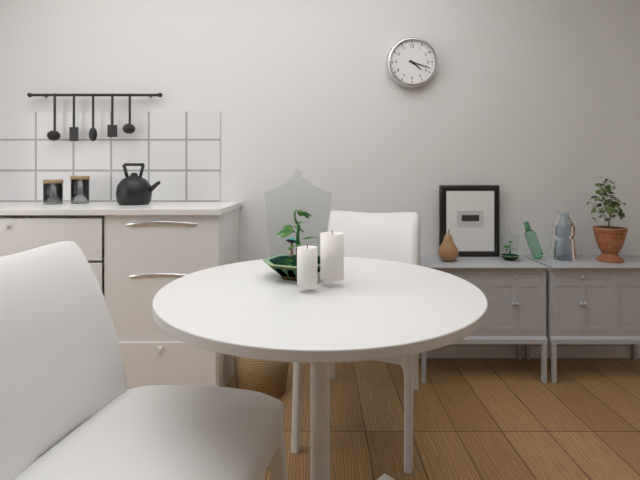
4:18
